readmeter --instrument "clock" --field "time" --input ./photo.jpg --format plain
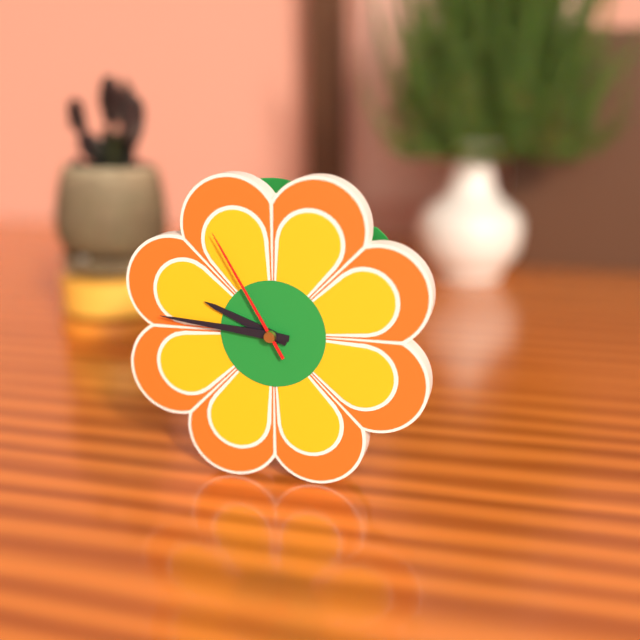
9:46:55
